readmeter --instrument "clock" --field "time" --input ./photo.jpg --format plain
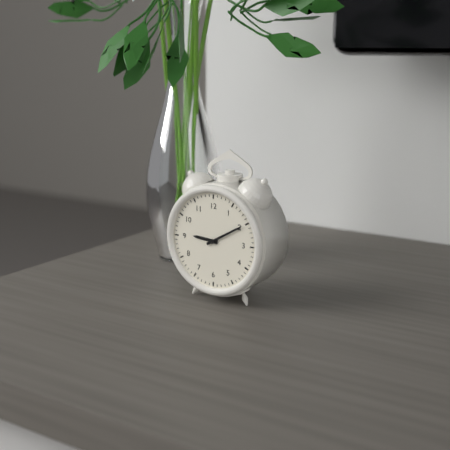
9:10
